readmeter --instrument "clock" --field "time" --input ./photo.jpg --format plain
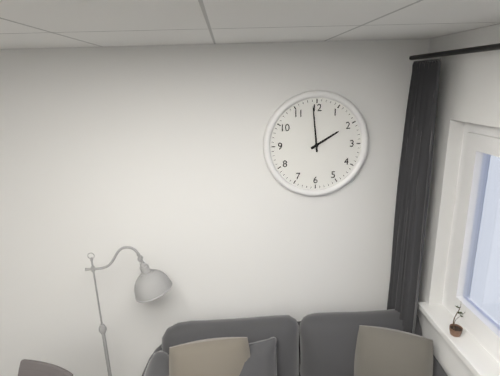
1:59
